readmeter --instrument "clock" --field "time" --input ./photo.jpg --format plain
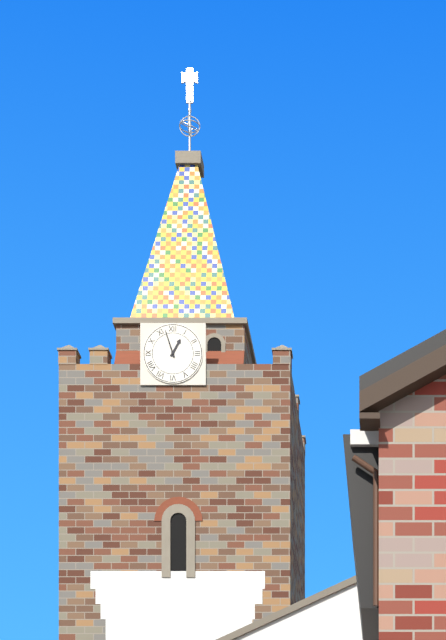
12:57
